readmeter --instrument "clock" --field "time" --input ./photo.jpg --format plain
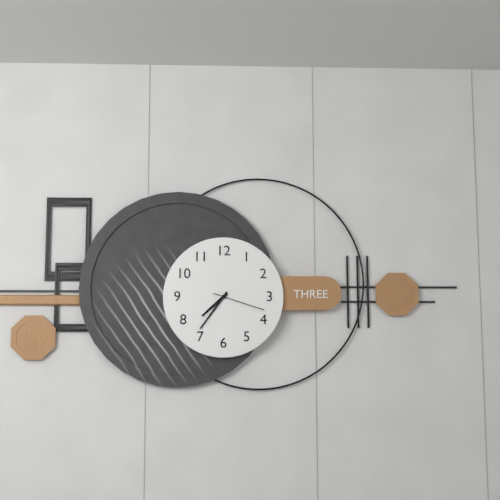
7:36:18
